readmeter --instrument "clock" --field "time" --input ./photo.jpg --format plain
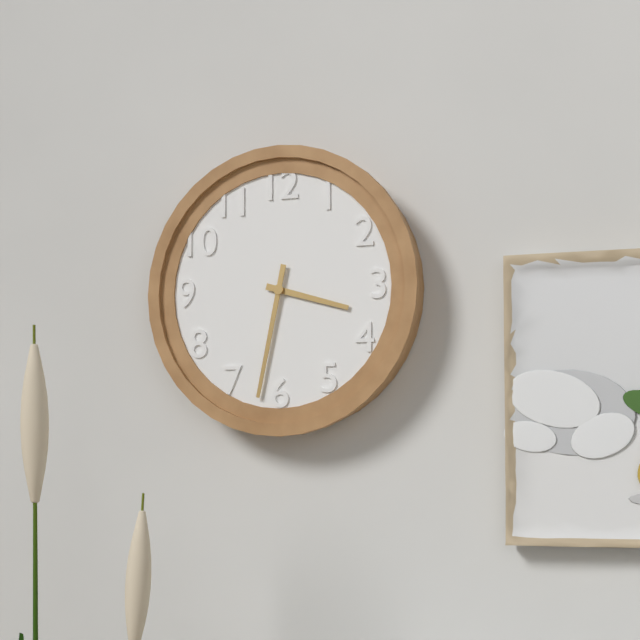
3:32
